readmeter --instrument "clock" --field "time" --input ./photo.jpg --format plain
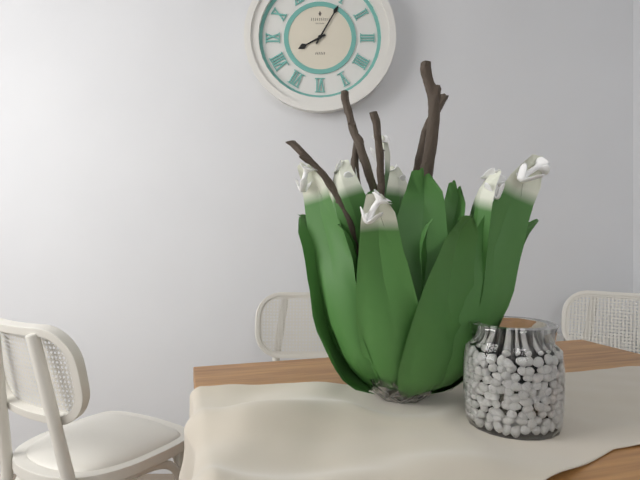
8:05
